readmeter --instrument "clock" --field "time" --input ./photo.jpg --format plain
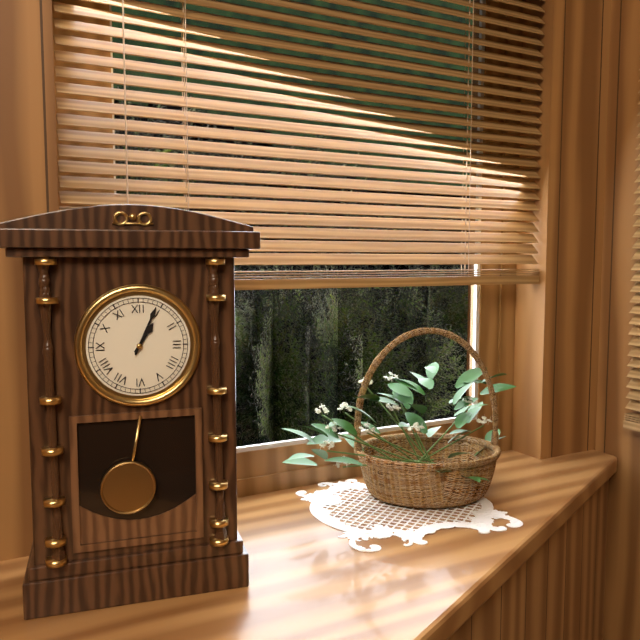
1:04
